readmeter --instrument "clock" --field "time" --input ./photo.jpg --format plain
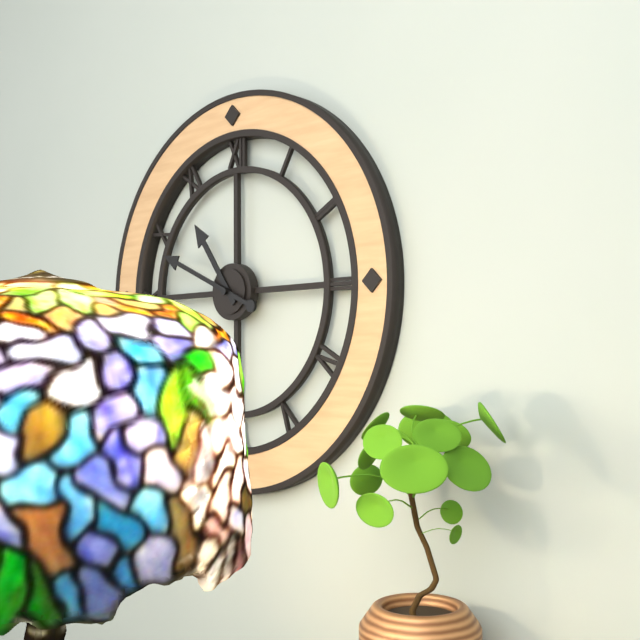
10:49
